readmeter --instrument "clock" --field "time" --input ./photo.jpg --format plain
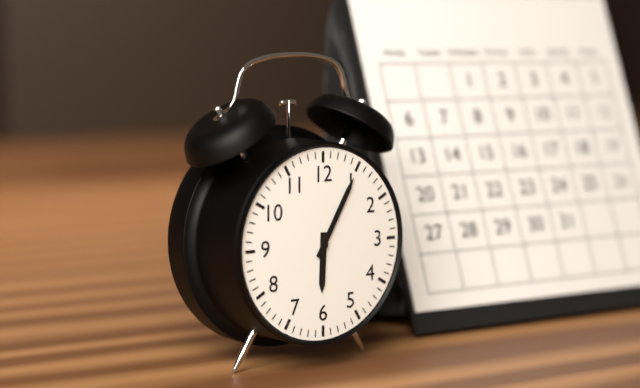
6:05
